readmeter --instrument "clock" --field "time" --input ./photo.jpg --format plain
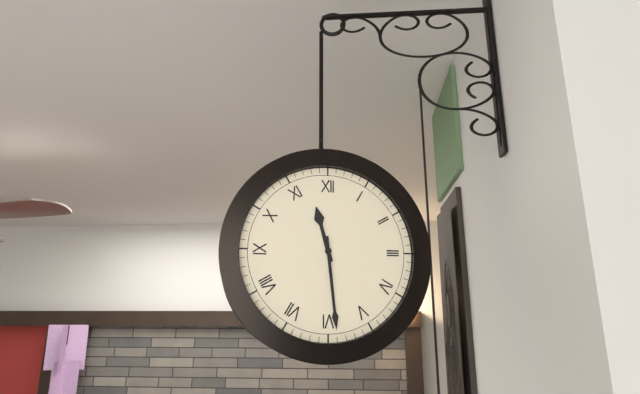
11:29
